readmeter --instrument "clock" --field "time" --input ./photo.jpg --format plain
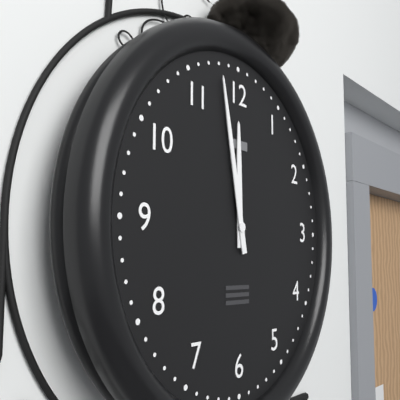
11:58
